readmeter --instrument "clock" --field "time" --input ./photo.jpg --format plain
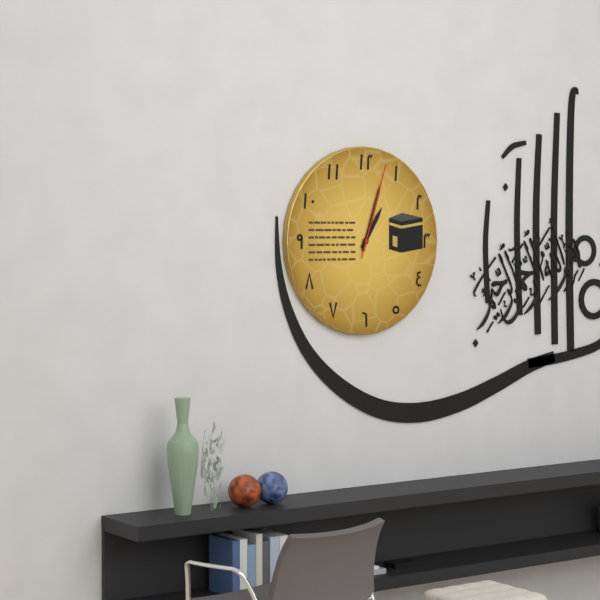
1:03:03
